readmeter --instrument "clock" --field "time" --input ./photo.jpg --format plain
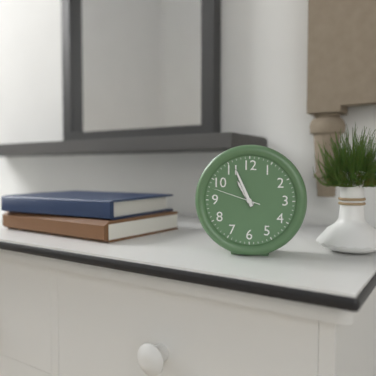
10:56:48
